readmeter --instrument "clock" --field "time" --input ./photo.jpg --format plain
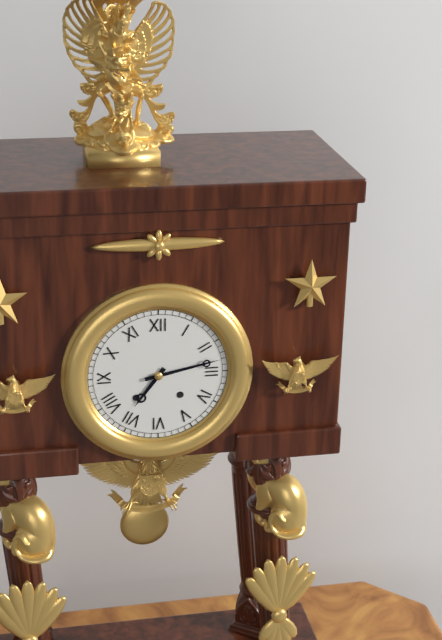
7:13
